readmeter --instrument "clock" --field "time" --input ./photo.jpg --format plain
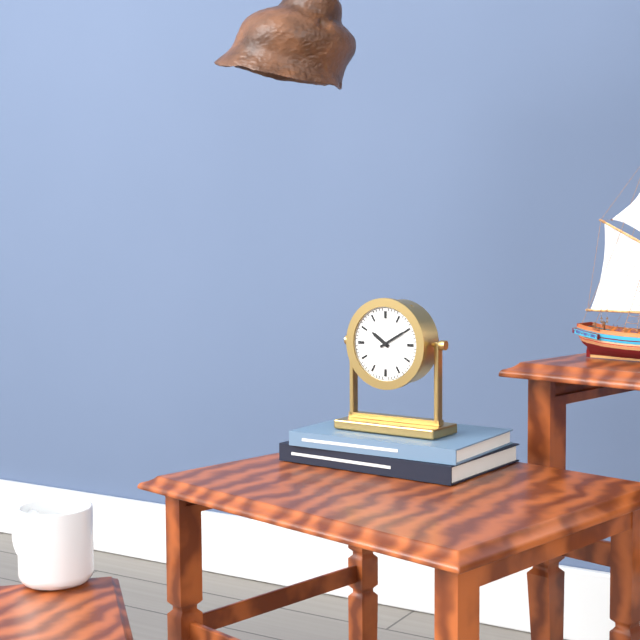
10:10
